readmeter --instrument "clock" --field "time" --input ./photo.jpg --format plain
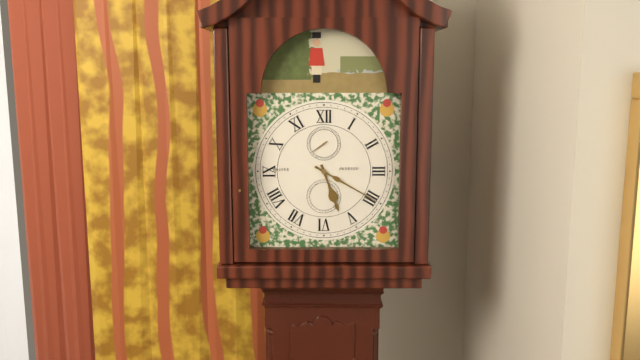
5:20
